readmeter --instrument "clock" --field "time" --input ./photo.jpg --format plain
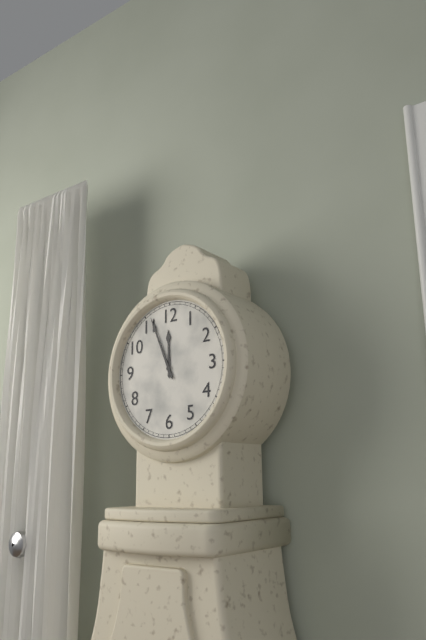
11:56
